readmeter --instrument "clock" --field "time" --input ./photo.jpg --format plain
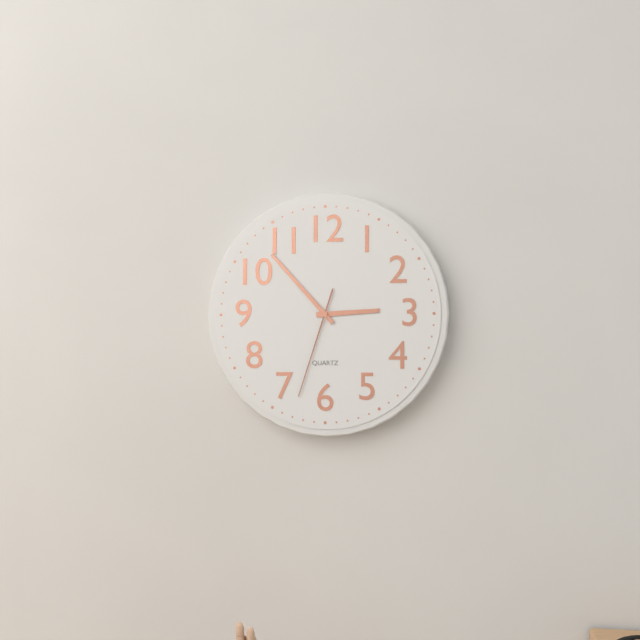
2:53:33
